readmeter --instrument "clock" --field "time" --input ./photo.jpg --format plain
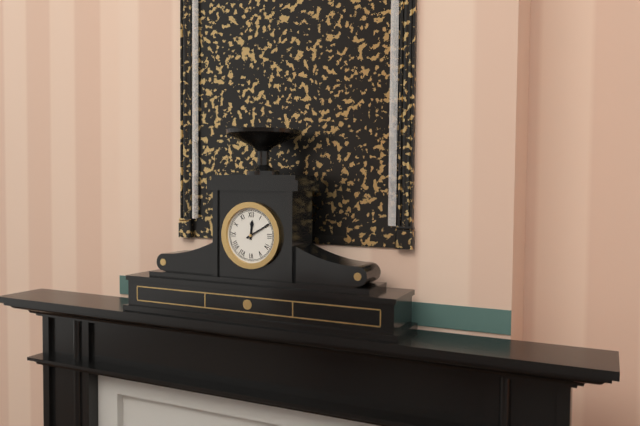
12:10
